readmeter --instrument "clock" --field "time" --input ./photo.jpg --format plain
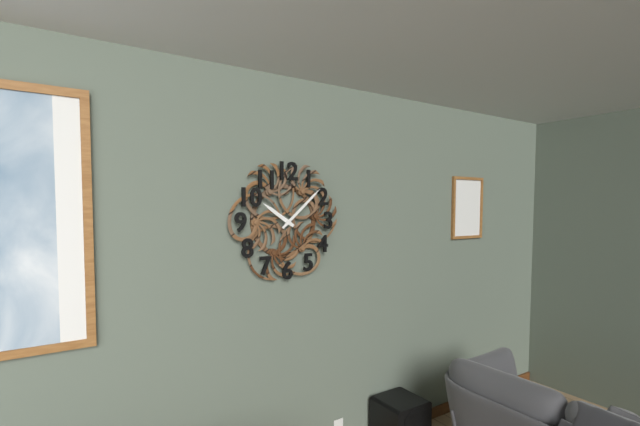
10:08
